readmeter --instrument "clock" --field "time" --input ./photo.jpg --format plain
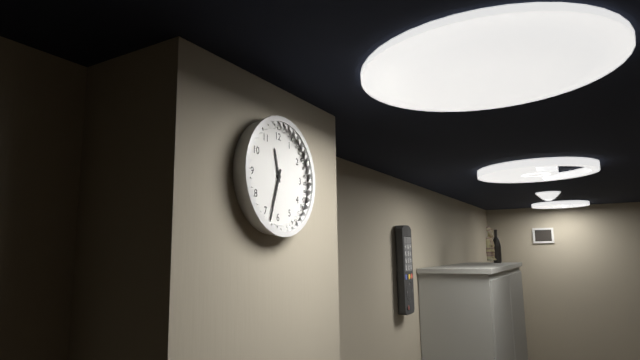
11:33
